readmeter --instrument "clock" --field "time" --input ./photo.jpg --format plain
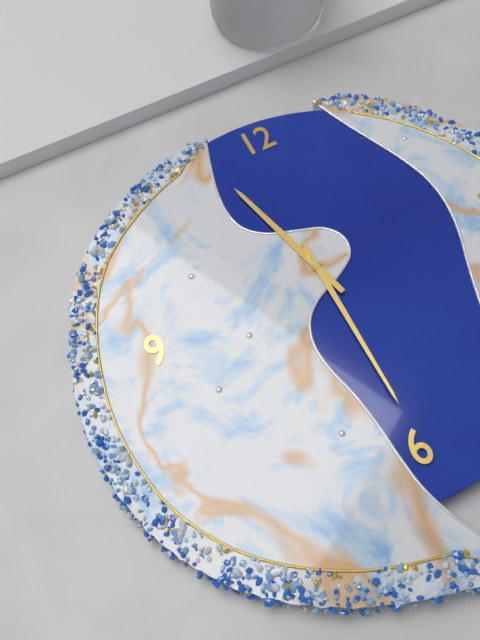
11:30
